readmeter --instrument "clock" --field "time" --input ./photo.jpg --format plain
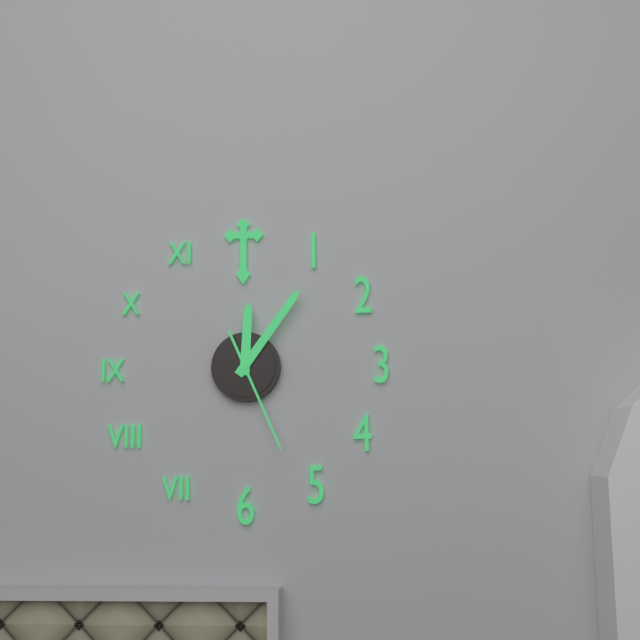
12:06:26
